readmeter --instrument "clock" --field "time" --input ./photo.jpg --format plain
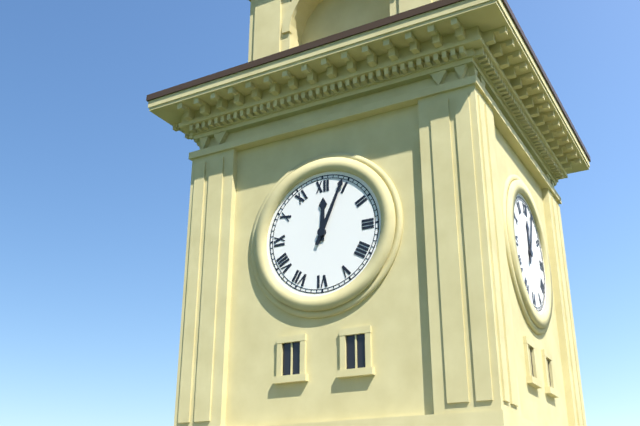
12:04
